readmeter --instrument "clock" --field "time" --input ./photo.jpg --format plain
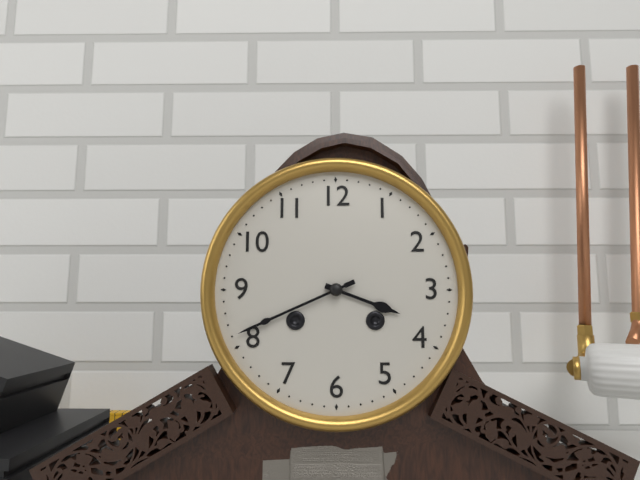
3:41
